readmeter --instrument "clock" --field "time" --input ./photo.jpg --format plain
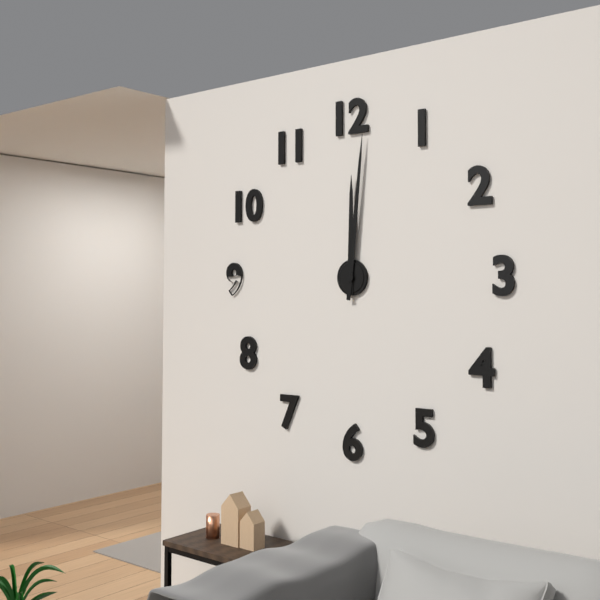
12:01
